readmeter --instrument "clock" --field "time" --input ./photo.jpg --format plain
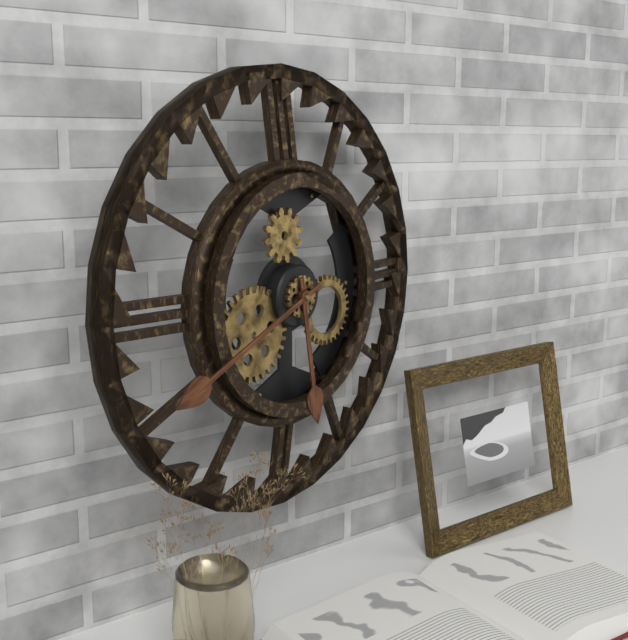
5:41
